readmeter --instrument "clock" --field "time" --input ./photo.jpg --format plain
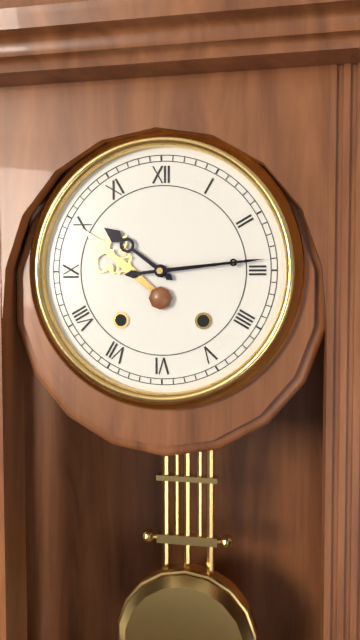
10:14
